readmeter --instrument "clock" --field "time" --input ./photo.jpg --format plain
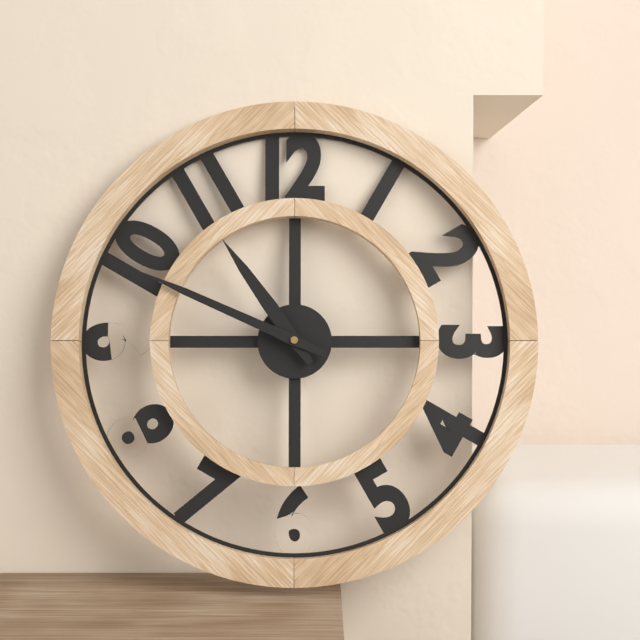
10:49
